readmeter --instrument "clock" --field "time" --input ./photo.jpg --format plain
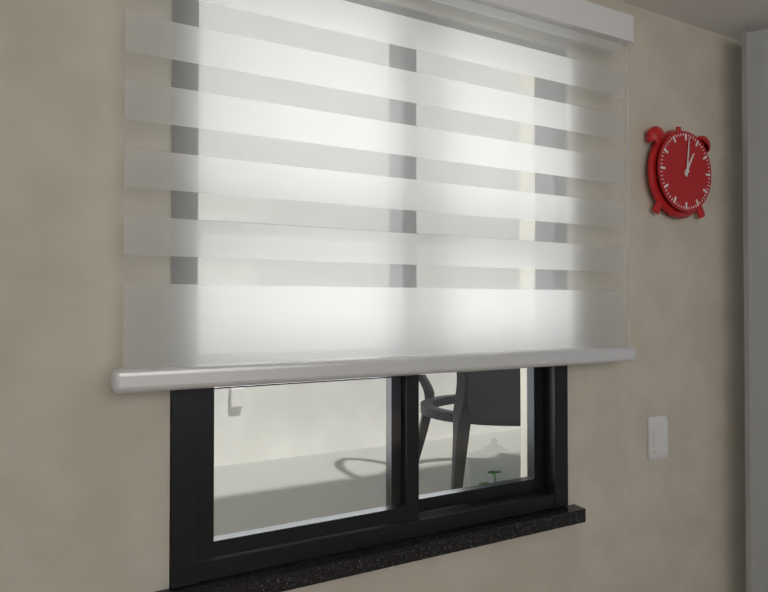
1:01
